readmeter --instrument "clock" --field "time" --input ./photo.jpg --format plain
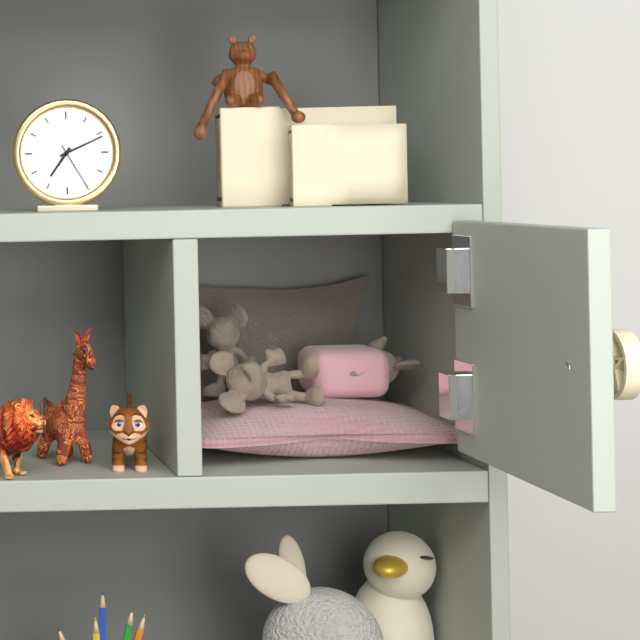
7:11:25
